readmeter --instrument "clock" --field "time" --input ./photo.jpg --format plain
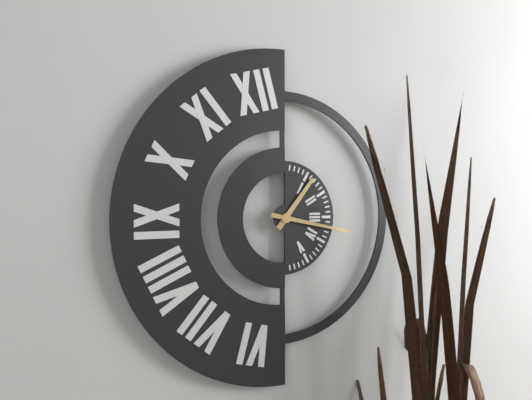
1:17
